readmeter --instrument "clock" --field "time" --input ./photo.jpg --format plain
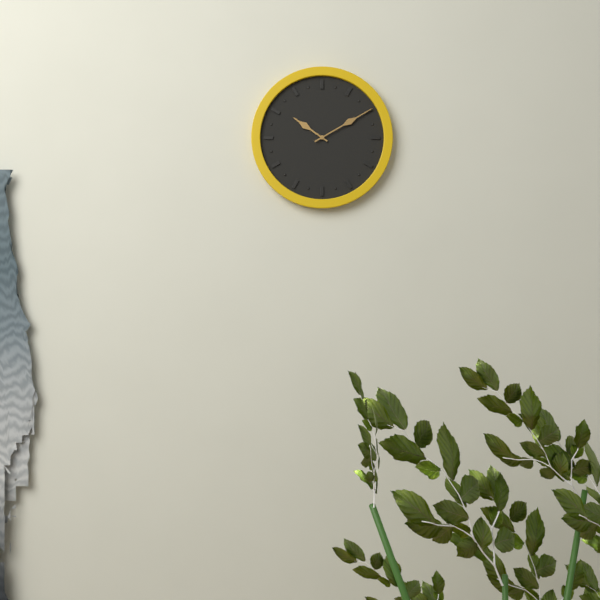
10:10
